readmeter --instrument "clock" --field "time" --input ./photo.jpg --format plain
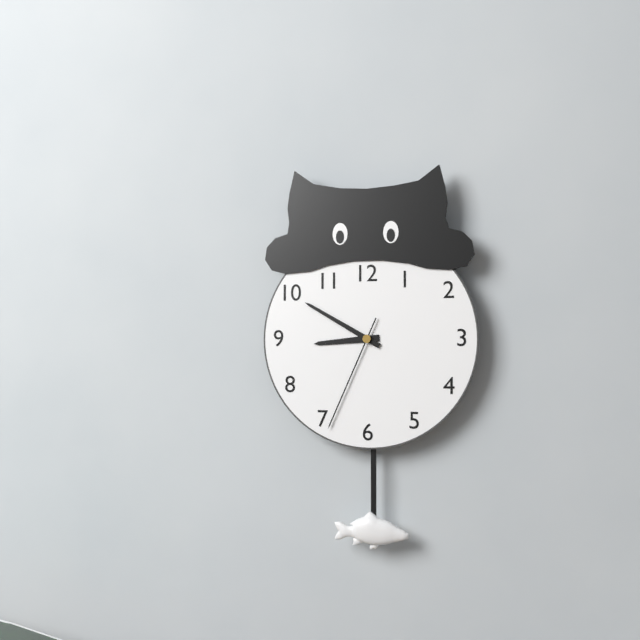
8:50:34
